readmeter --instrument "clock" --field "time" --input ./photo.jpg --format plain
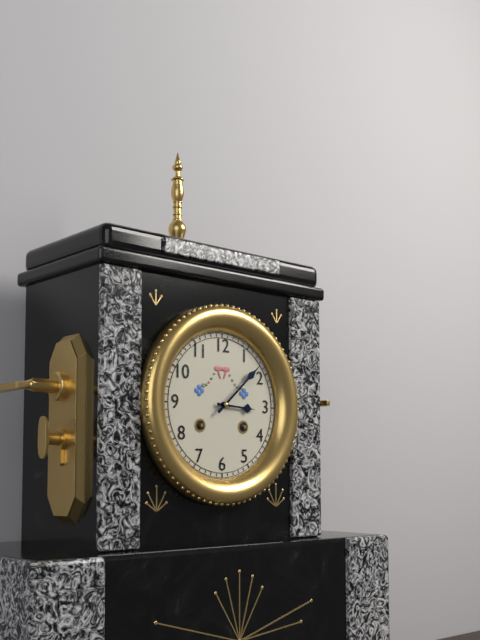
3:08
